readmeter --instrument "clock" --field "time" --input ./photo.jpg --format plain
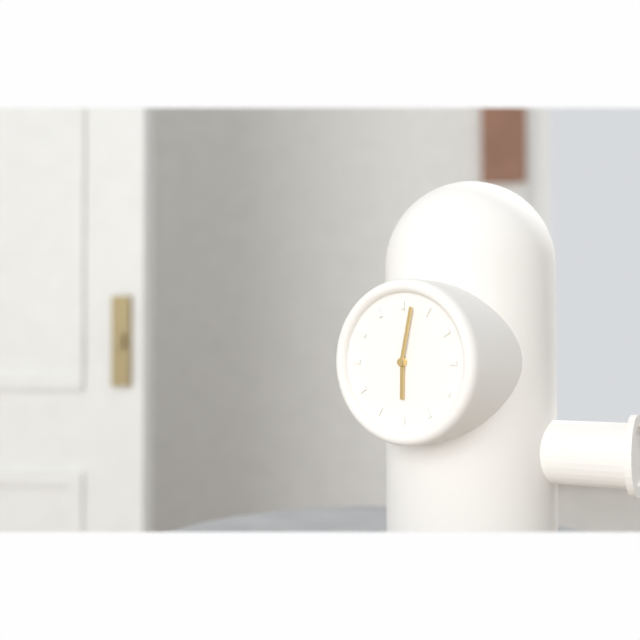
6:02
